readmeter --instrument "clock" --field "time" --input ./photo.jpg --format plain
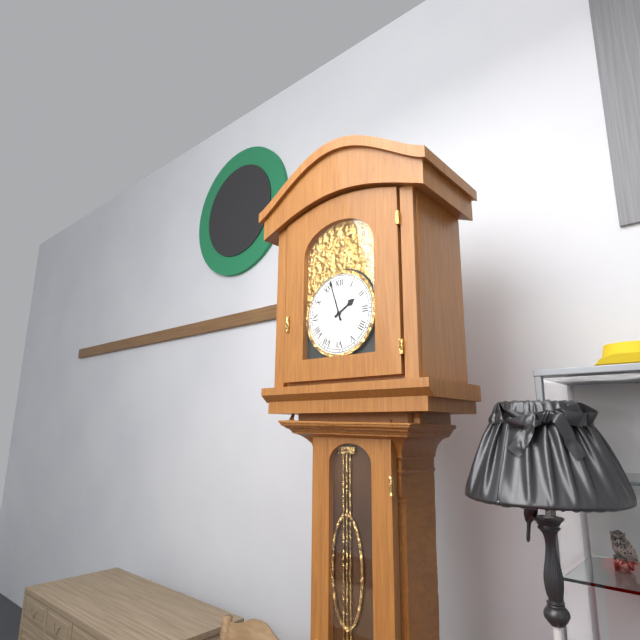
1:57
